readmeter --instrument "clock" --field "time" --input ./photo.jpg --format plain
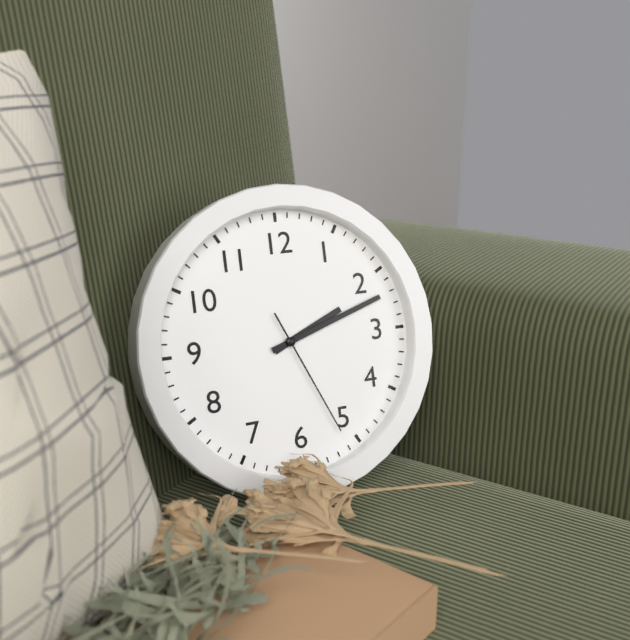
2:12:26
